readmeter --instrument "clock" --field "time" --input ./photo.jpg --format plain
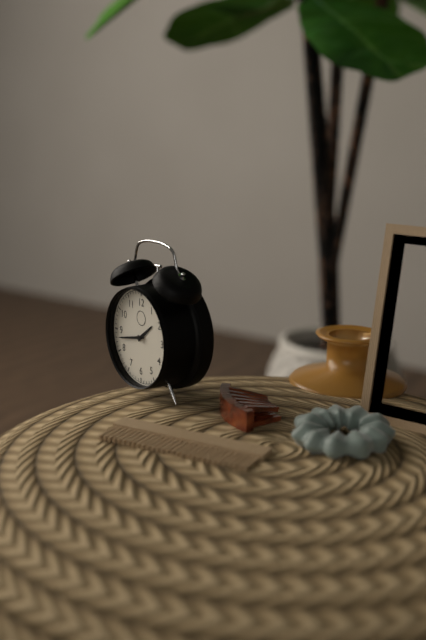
1:43
